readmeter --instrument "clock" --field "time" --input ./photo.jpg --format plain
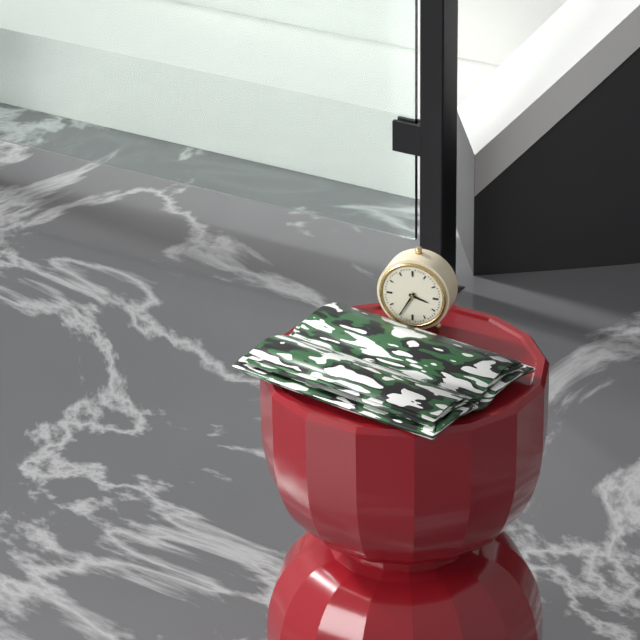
3:35
